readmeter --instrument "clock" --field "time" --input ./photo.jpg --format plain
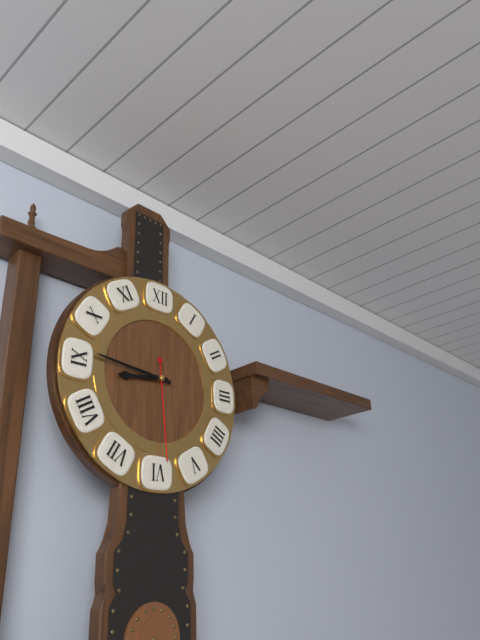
8:46:29
